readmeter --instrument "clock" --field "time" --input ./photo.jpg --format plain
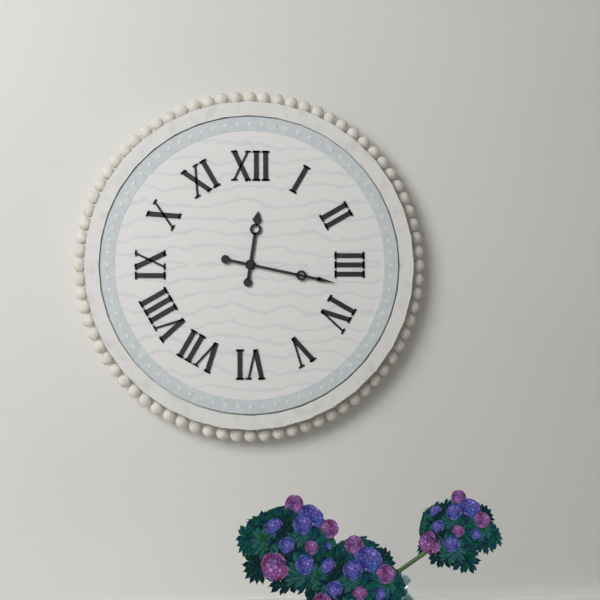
12:17
